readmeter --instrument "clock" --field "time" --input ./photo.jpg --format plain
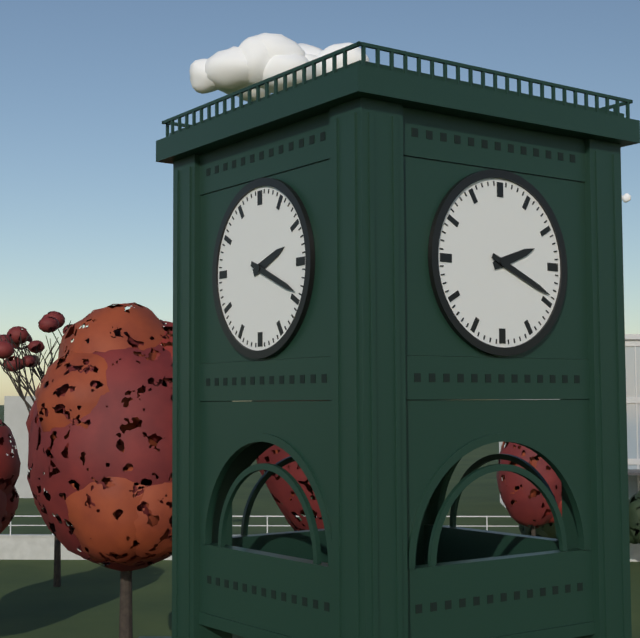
2:19
